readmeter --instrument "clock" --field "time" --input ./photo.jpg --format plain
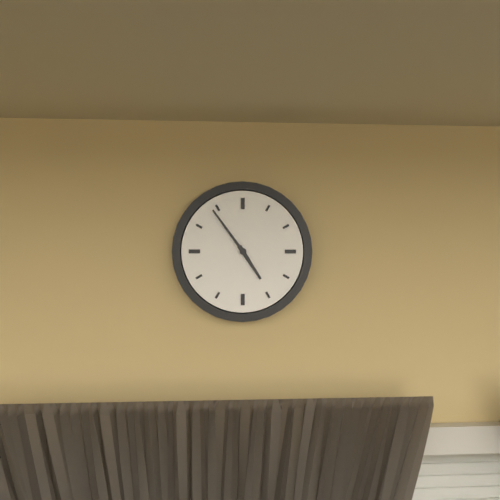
4:54
